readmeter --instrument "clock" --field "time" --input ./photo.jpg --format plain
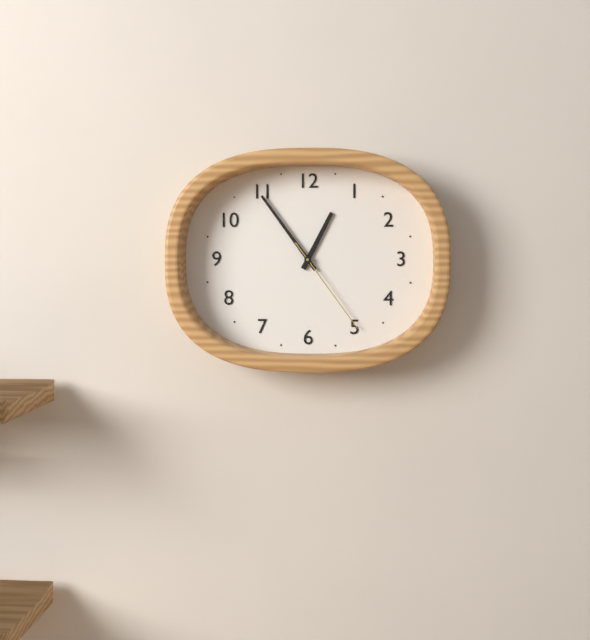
12:54:24
